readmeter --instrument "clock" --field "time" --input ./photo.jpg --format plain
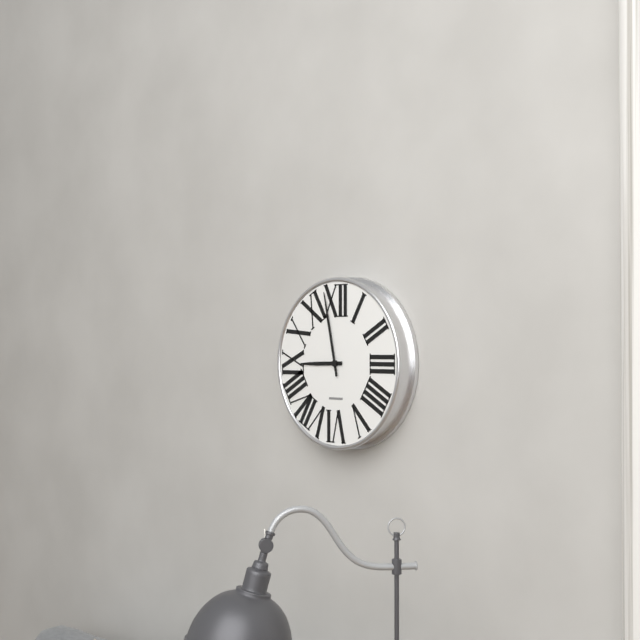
8:58
